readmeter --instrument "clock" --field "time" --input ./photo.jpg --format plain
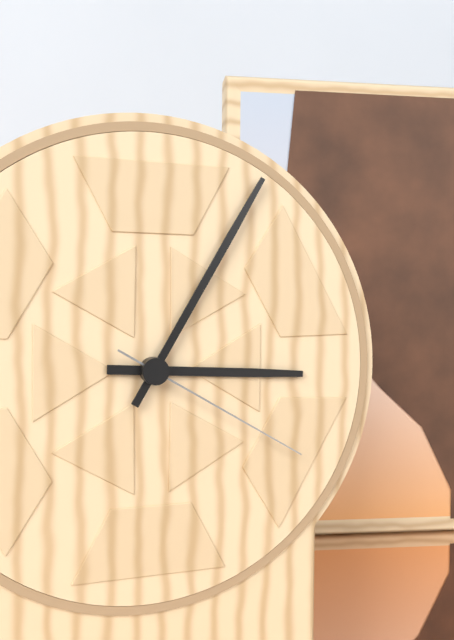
3:05:20
